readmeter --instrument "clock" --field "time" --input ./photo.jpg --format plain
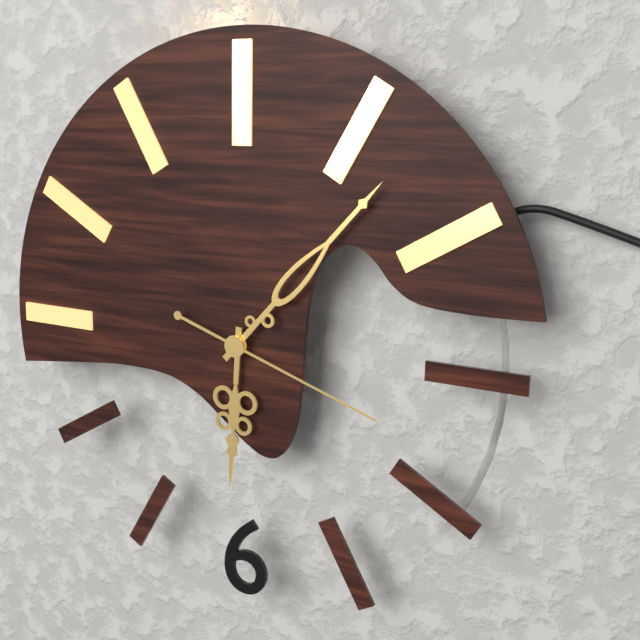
6:07:18
